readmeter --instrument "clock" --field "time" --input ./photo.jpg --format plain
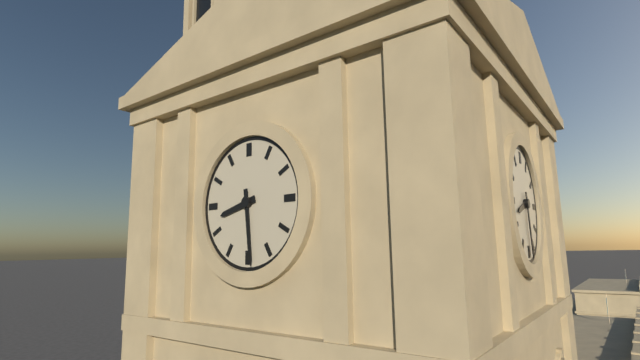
8:29
